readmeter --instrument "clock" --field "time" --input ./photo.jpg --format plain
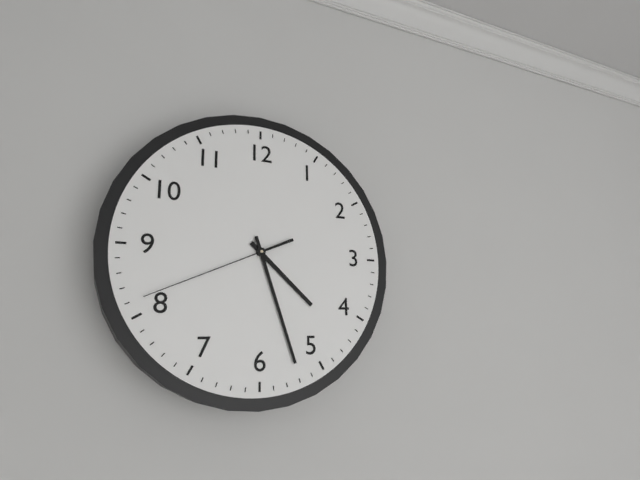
4:27:41
